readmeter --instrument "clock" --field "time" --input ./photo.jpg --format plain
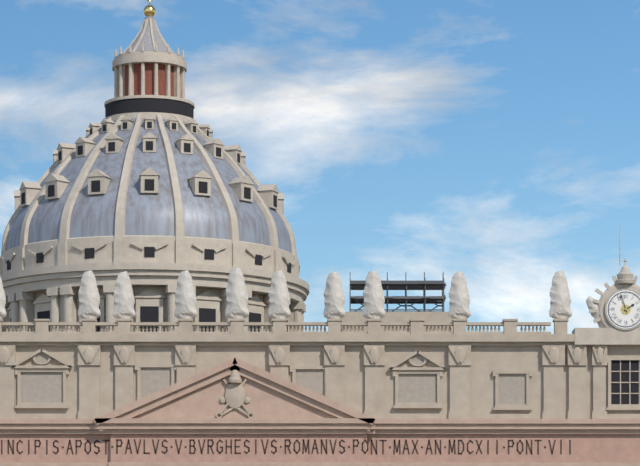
1:57
